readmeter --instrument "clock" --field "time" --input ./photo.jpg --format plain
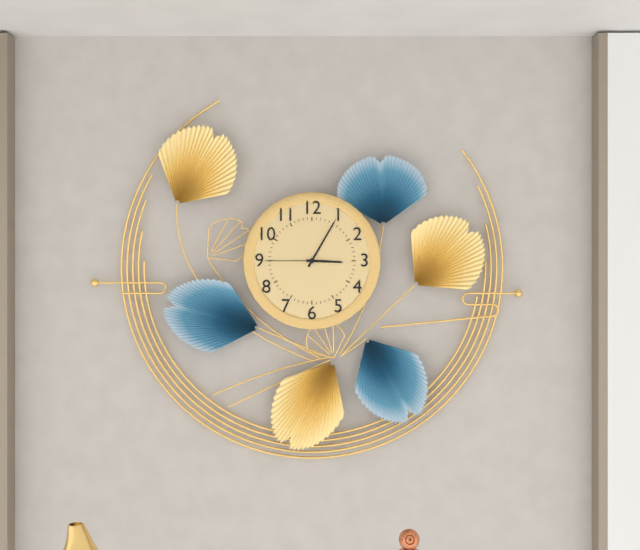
3:05:45
